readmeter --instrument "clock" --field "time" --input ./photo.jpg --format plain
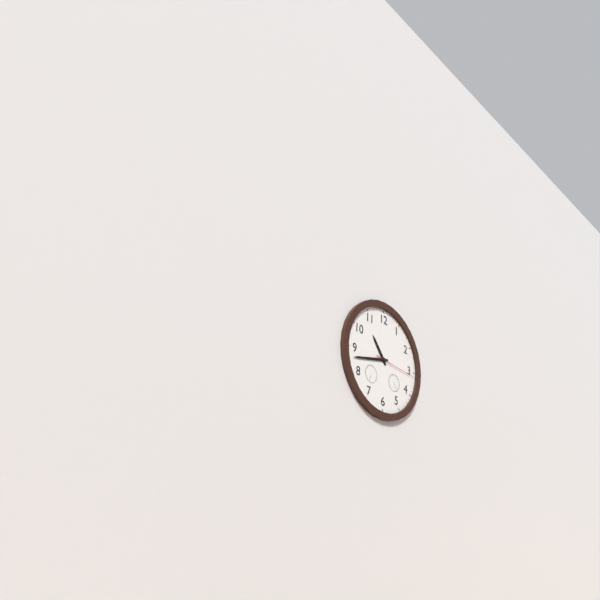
10:43
